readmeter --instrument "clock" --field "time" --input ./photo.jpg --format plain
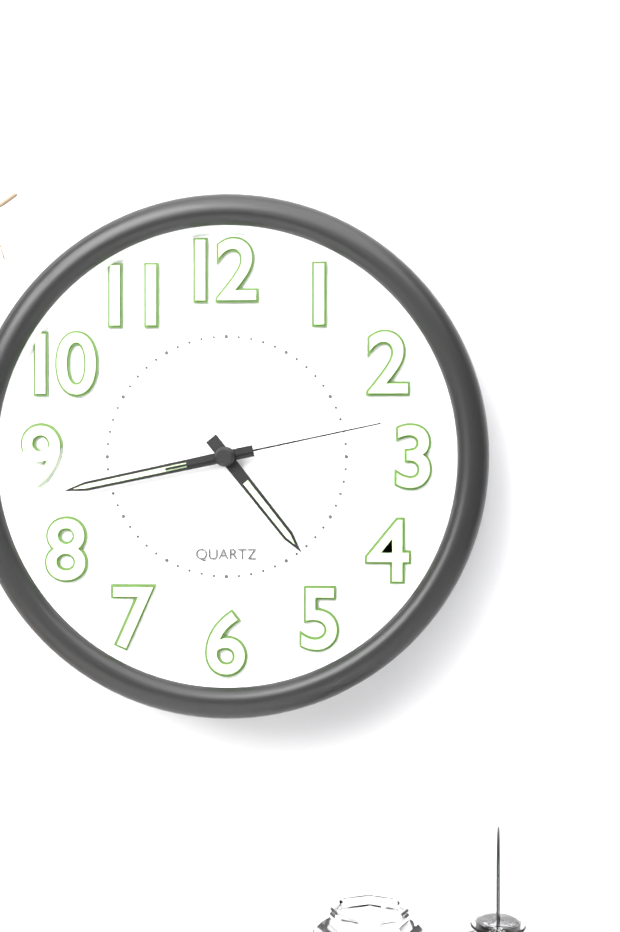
4:43:13
